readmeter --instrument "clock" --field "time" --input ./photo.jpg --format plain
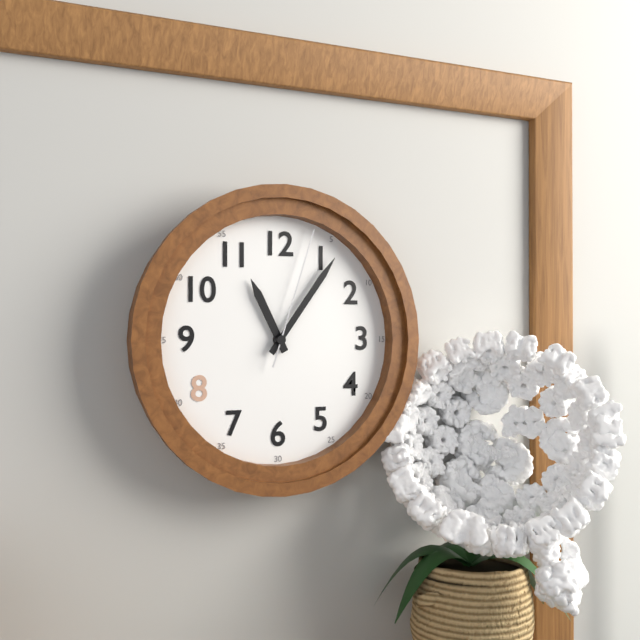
11:06:03
